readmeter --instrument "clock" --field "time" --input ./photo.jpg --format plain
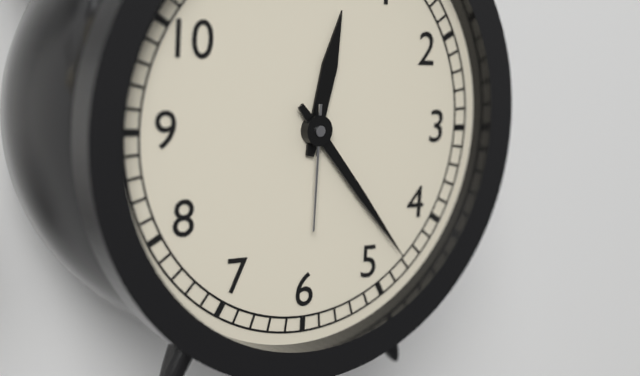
12:23:30
